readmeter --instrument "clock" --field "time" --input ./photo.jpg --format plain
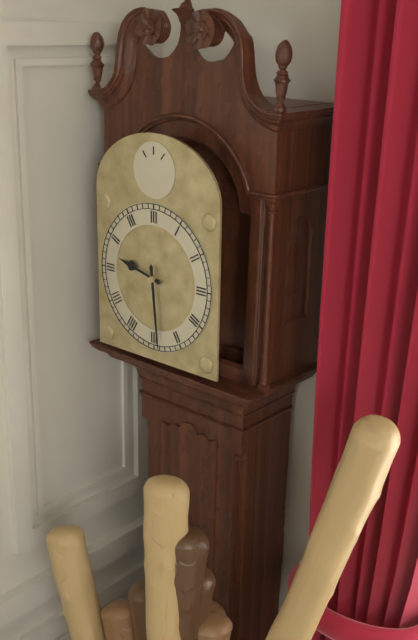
9:29
